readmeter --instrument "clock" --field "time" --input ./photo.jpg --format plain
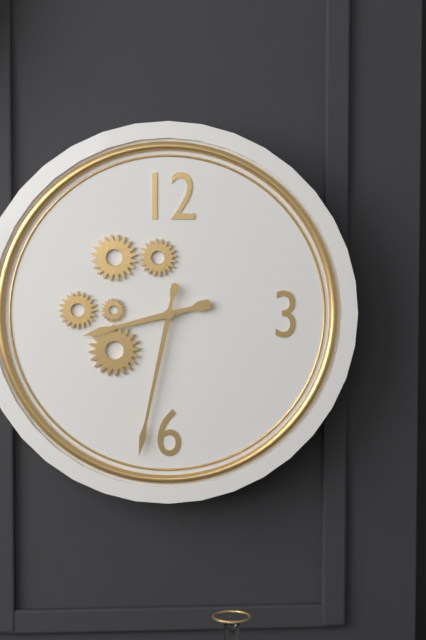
8:32
